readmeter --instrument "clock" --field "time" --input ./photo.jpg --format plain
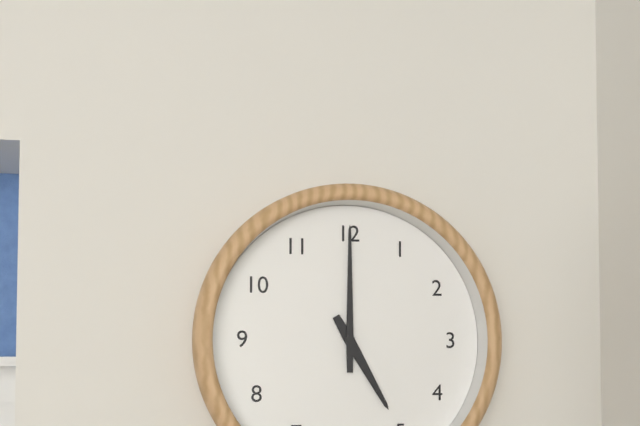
5:00
